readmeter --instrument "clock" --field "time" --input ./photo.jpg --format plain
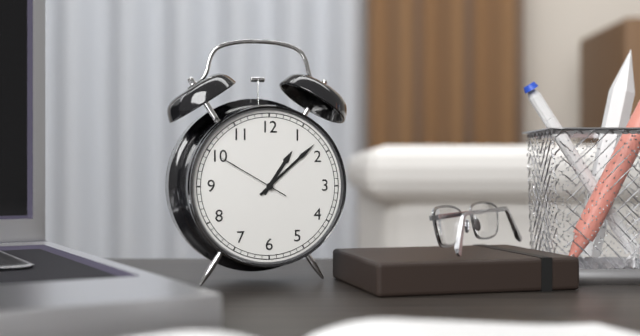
1:08:50
